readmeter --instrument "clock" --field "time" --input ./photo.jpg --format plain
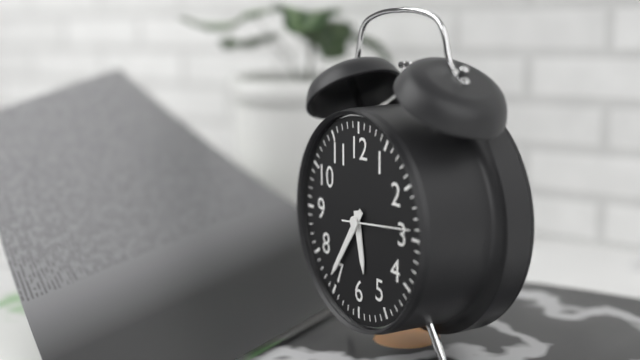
5:36:14
